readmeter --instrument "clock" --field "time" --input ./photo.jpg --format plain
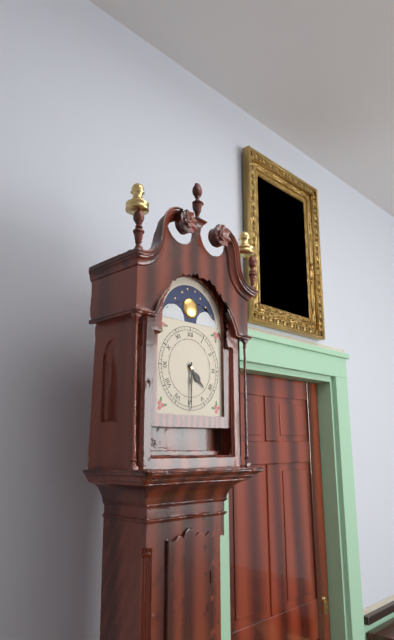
4:30
